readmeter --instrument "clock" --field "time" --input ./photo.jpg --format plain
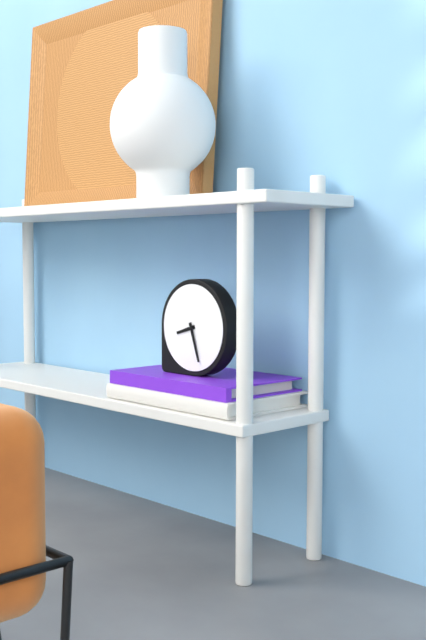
8:27
